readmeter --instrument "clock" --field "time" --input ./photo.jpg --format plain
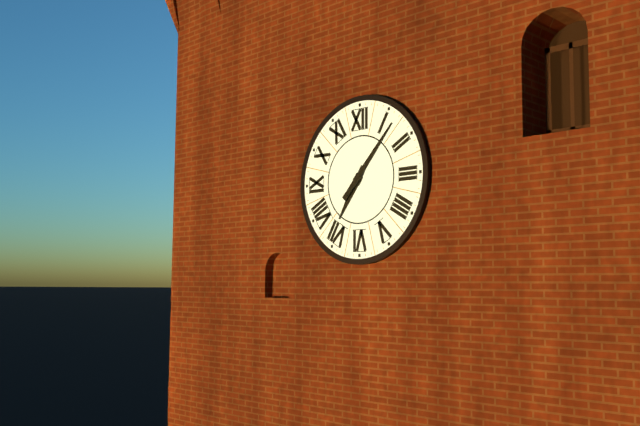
7:07
